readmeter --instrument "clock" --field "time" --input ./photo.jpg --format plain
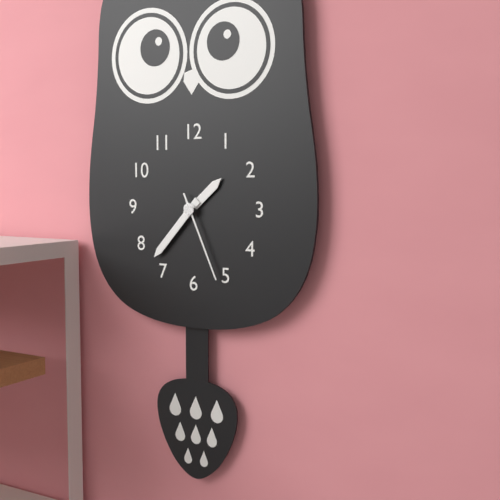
1:37:26
